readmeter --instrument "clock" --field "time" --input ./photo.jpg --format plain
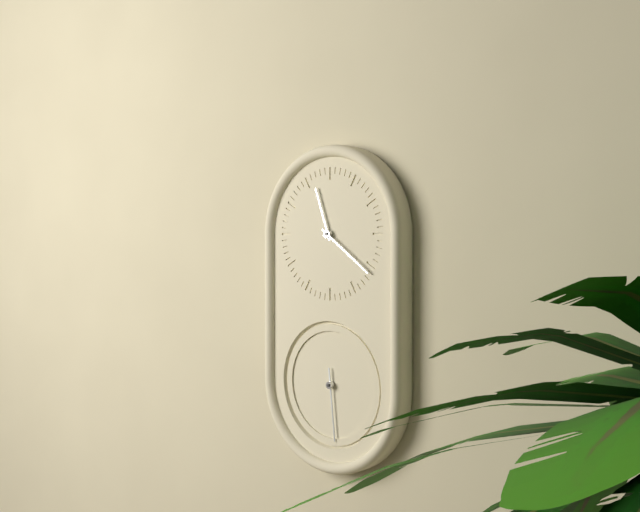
11:21:29
